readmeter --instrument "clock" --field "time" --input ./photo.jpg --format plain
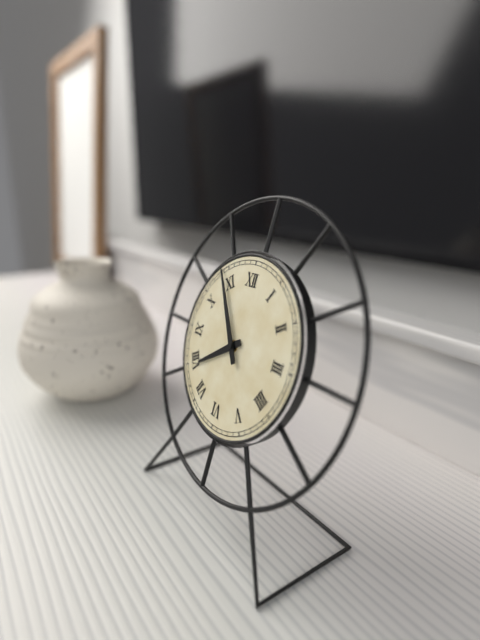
7:54
